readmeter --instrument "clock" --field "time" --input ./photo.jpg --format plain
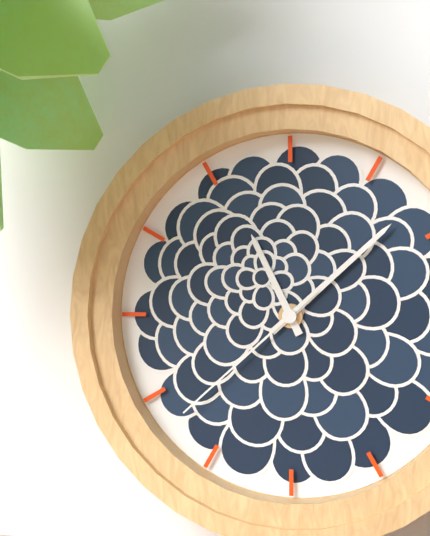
11:08:38
